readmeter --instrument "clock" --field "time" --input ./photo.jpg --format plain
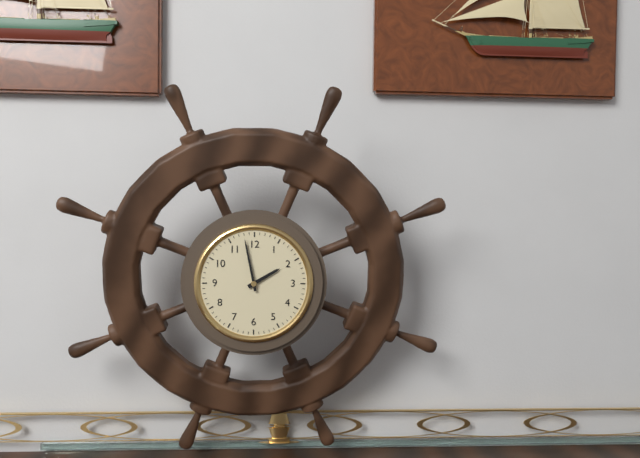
1:58
